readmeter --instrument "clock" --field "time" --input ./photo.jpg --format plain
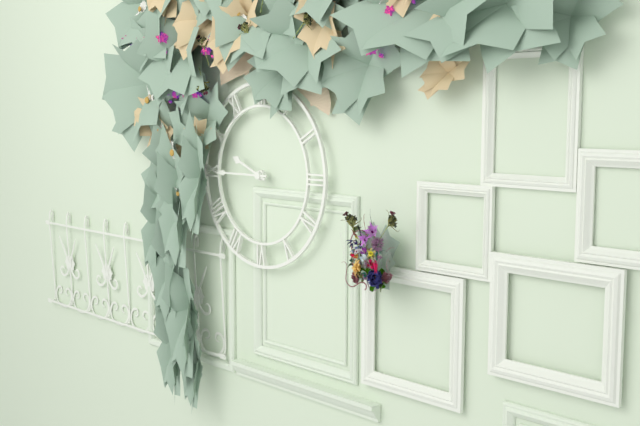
9:45
